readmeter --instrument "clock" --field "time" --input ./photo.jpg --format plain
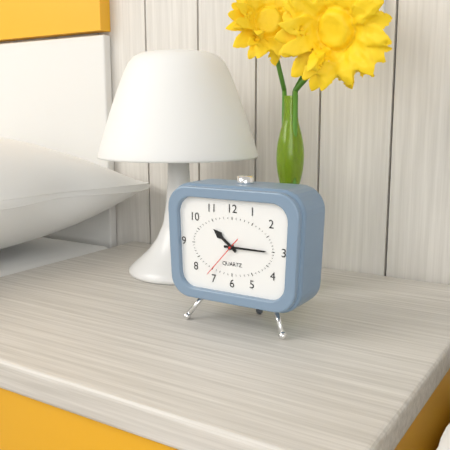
10:15
